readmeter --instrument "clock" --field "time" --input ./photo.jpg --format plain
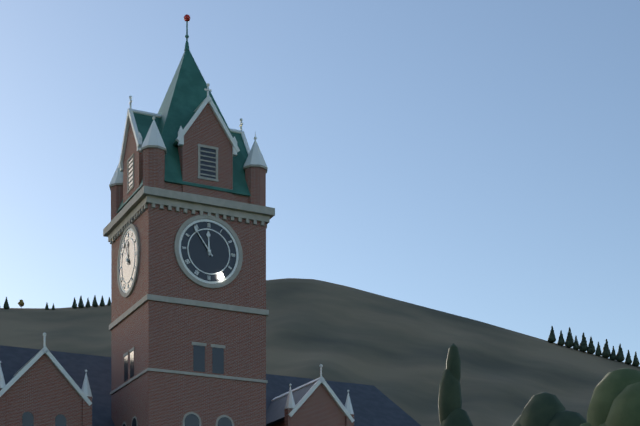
11:54
